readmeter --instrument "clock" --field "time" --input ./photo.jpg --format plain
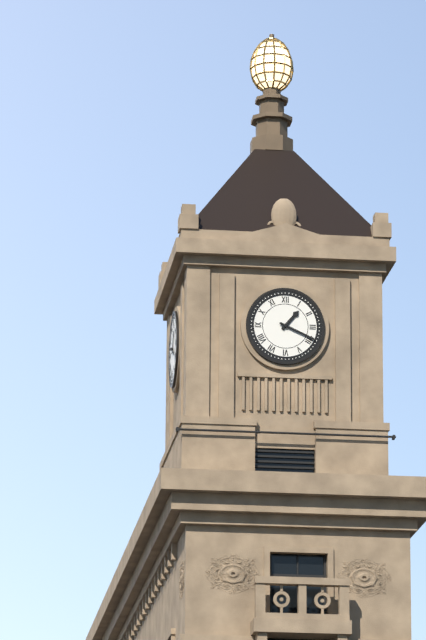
1:19
